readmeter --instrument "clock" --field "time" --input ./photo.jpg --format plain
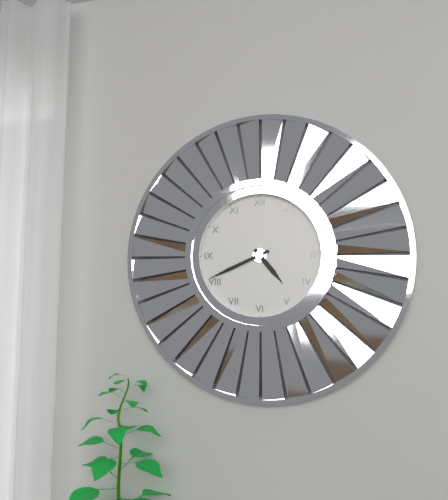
4:41
